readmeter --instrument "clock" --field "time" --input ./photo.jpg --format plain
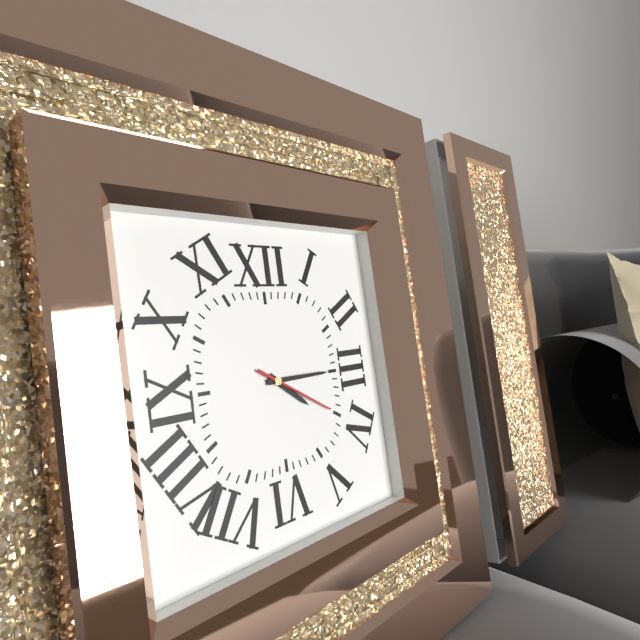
4:15:20
